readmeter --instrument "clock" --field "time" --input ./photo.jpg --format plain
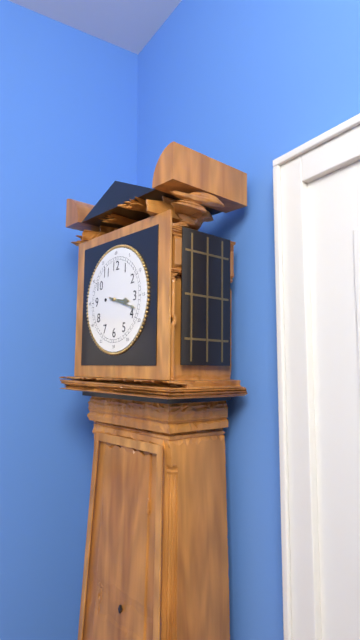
3:18
